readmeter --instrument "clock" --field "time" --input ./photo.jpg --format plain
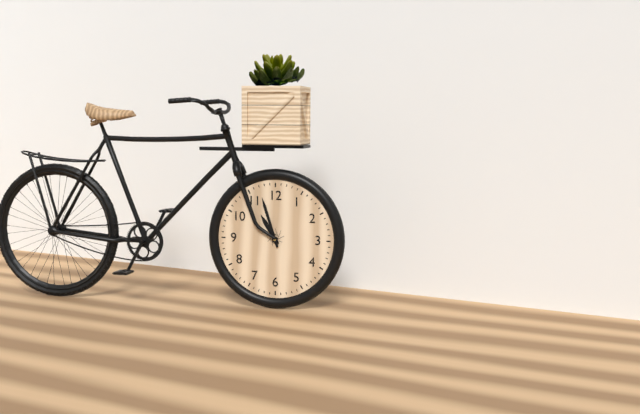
10:57
